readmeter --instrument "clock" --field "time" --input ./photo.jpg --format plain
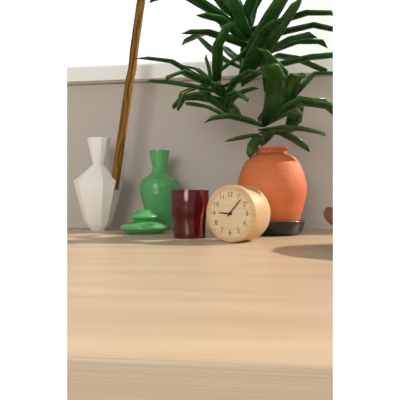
9:07
